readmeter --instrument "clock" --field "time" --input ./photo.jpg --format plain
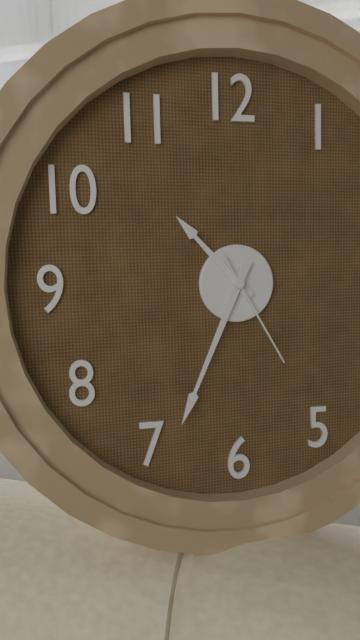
10:34:25
